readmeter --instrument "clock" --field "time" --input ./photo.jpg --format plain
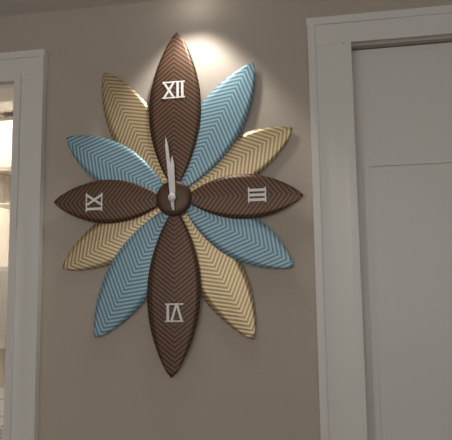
11:59
